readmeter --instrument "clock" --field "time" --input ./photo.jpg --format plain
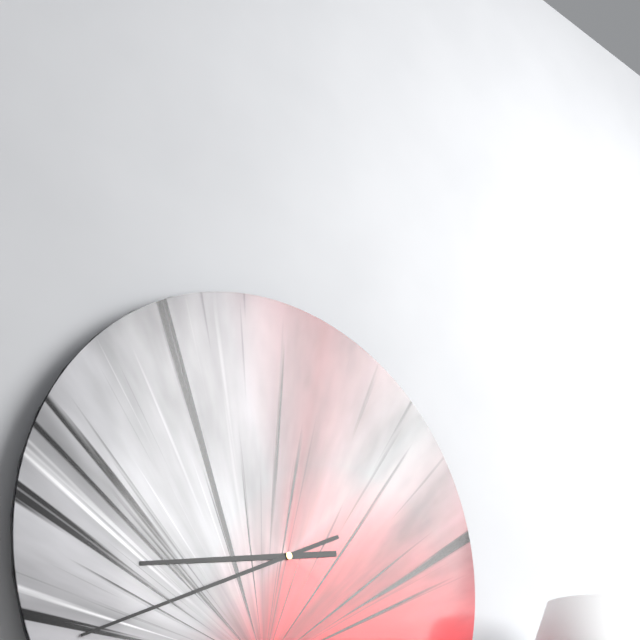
8:41
